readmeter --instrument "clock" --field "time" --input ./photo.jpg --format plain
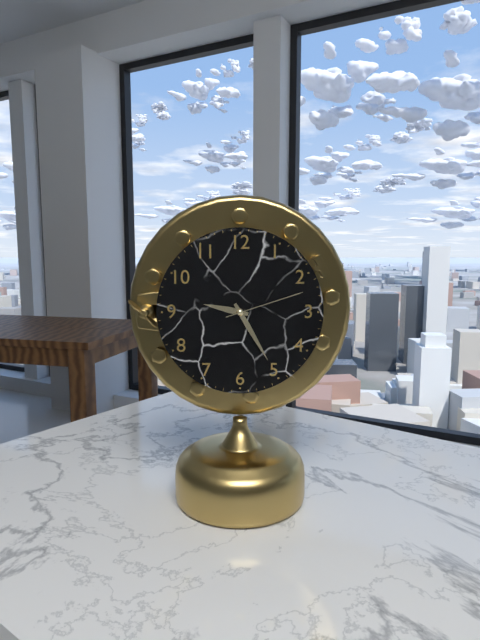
9:25:12
